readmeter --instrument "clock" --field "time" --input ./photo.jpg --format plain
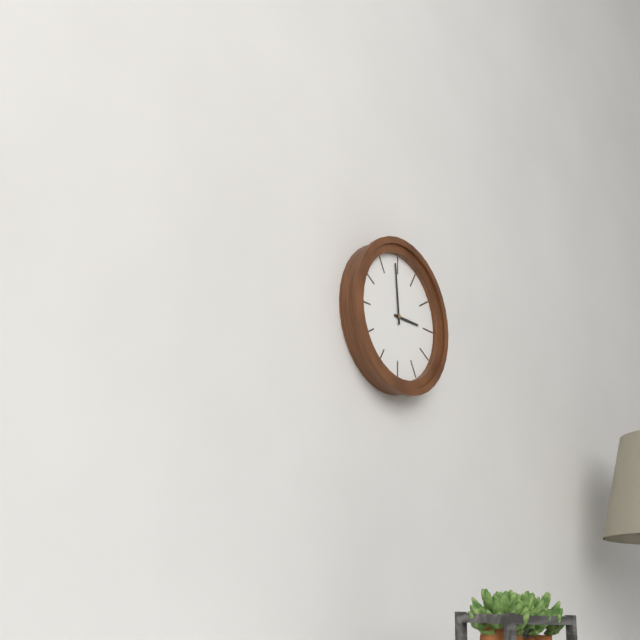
2:59
